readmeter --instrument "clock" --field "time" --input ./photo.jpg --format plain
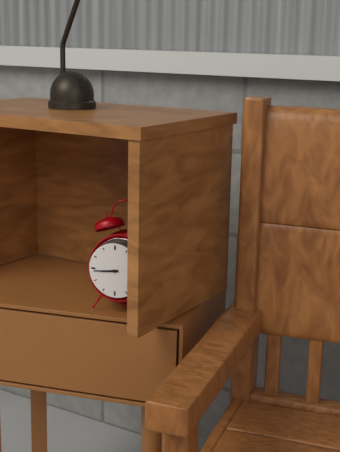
8:44
